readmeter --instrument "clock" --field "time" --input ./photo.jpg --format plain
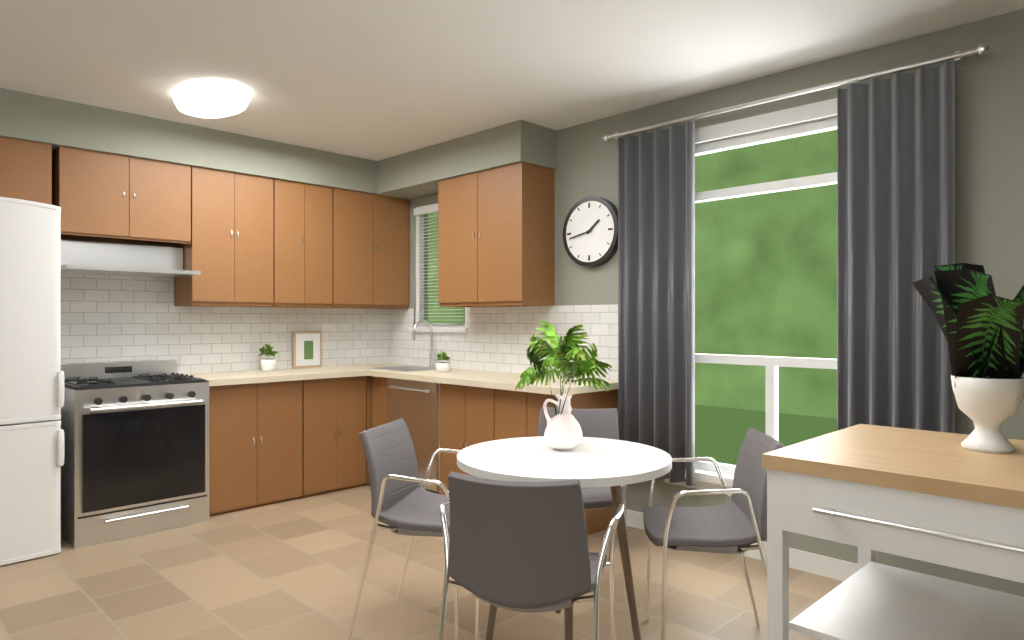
1:43
